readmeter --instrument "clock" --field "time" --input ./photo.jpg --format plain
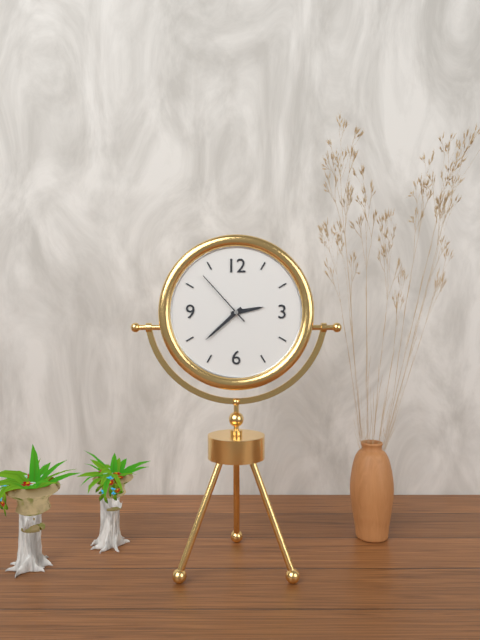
2:38:53
